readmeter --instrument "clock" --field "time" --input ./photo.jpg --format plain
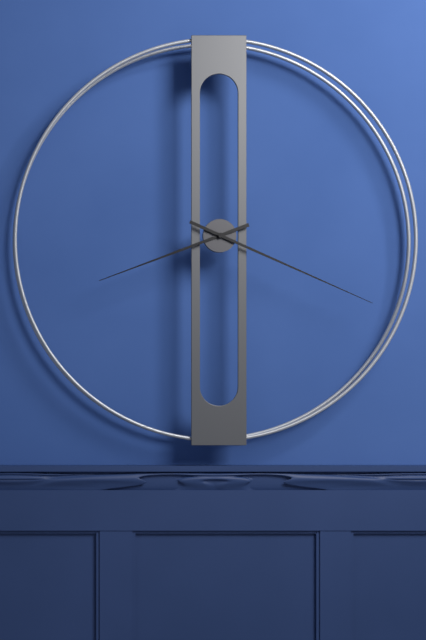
8:19
